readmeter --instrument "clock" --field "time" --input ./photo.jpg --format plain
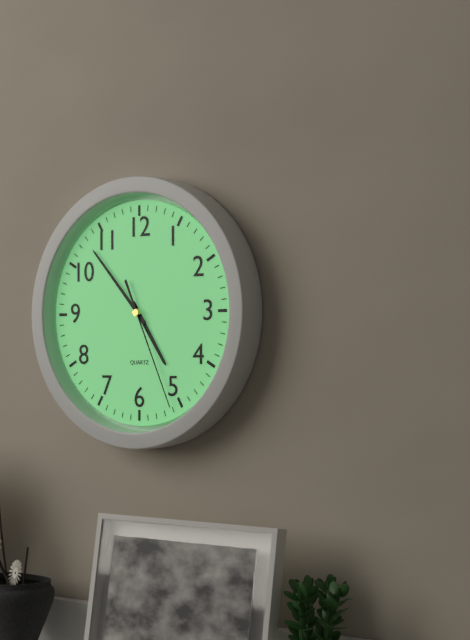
4:53:26
